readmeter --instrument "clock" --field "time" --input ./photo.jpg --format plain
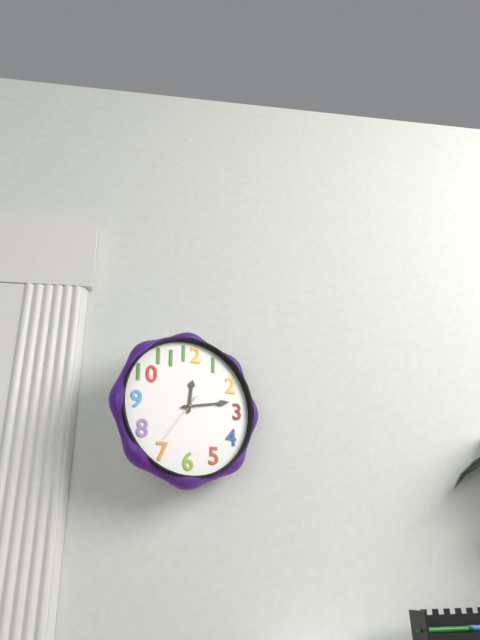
12:13:36
